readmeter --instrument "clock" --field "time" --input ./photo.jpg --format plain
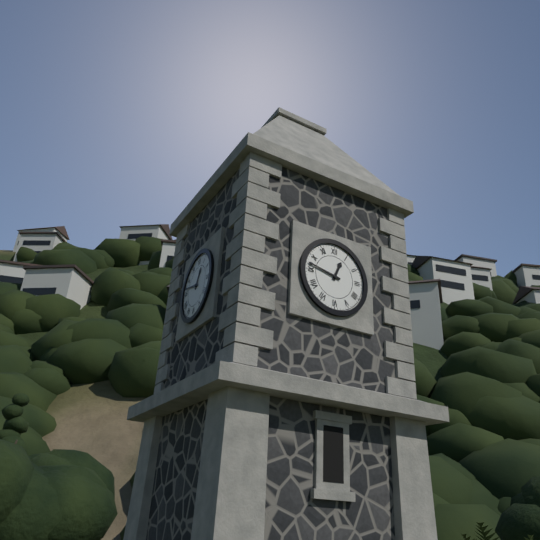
12:47
